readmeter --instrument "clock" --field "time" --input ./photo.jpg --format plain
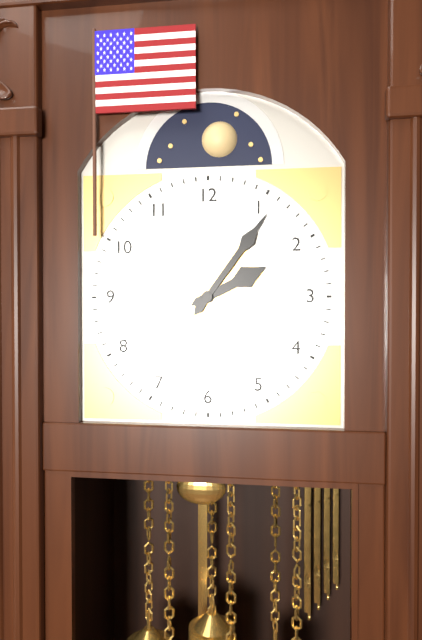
2:06
